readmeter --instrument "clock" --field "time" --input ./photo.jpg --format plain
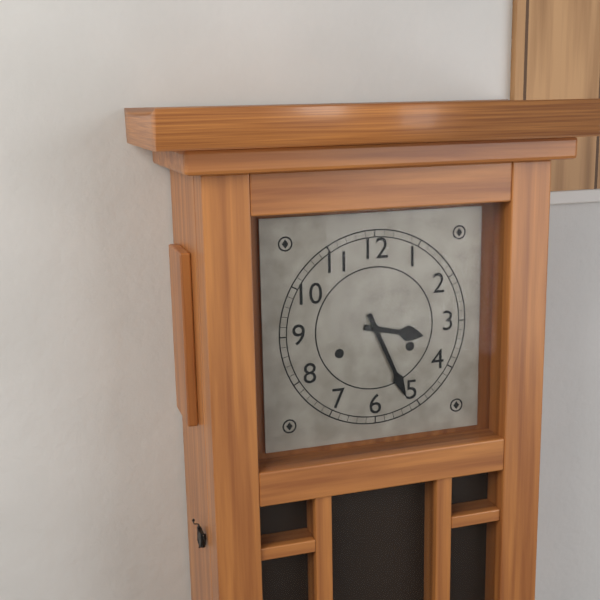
3:26
